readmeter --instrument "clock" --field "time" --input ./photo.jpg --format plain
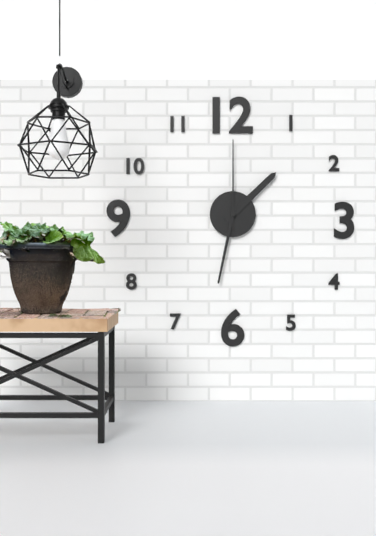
1:32:00
